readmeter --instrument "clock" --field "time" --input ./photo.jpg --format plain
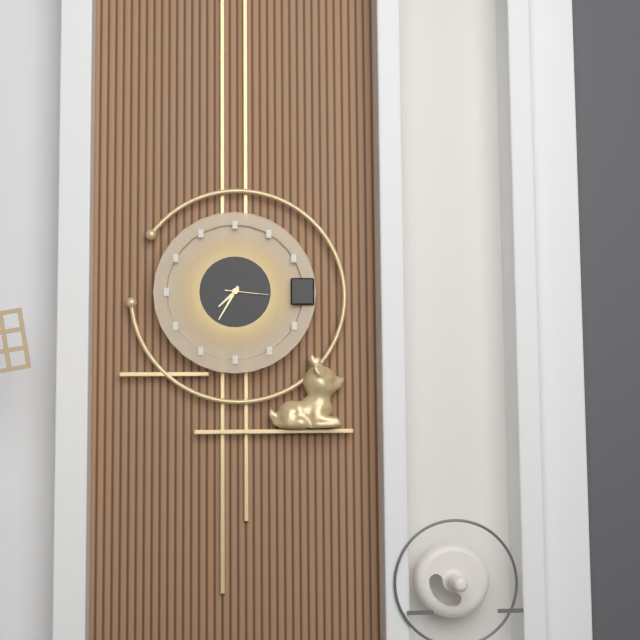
7:35
